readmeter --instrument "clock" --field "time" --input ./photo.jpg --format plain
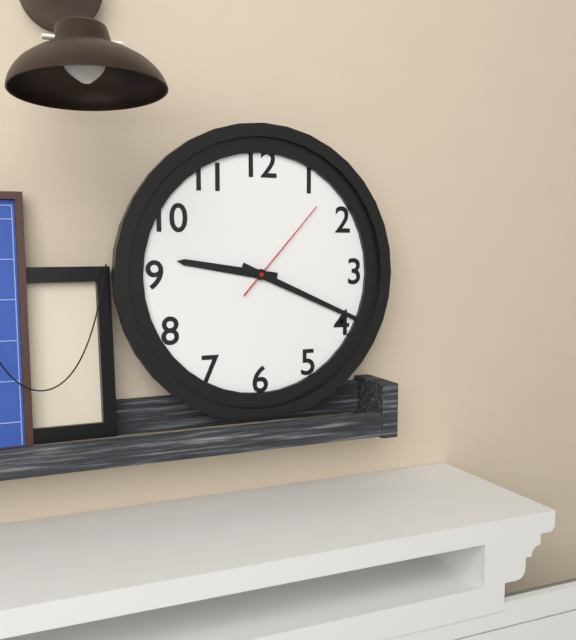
9:19:07
